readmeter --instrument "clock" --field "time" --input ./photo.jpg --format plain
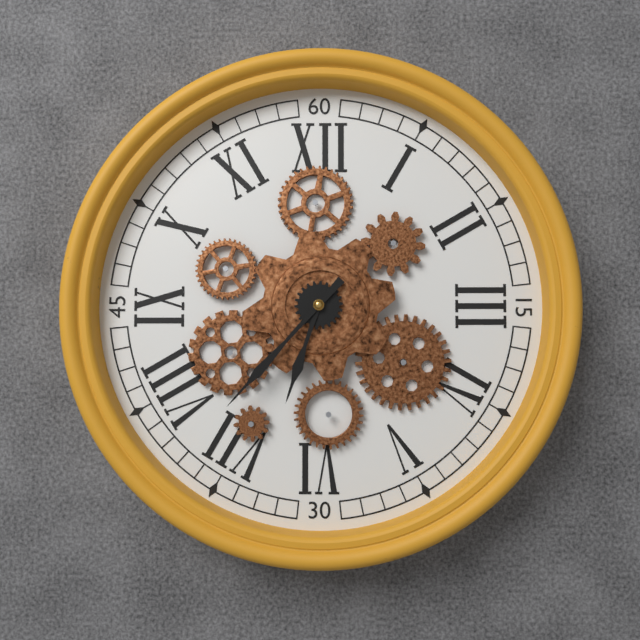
6:37
